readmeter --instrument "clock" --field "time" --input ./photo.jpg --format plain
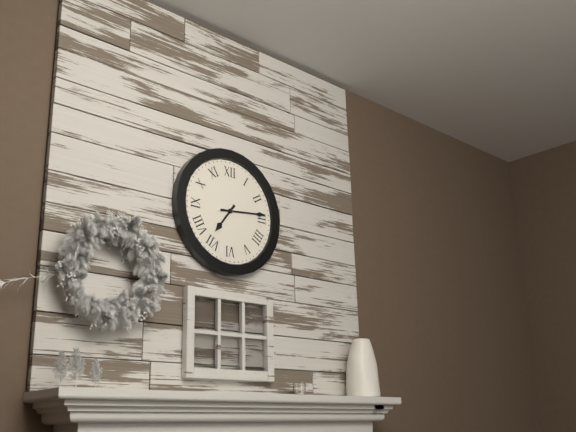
7:14
